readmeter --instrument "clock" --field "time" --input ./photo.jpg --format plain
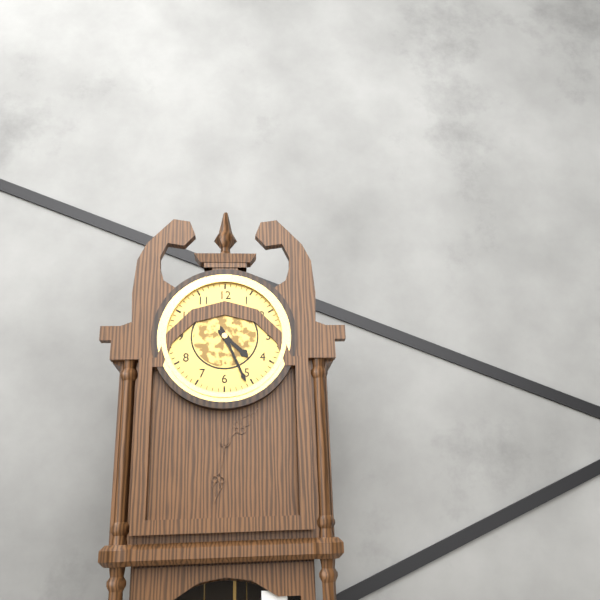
4:26
